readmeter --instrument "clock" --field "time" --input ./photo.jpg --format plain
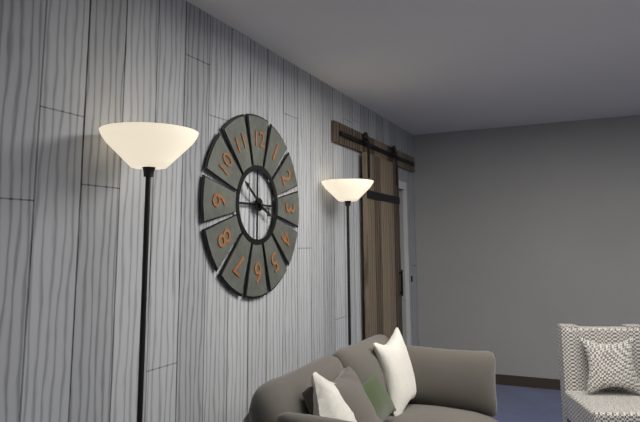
3:51
